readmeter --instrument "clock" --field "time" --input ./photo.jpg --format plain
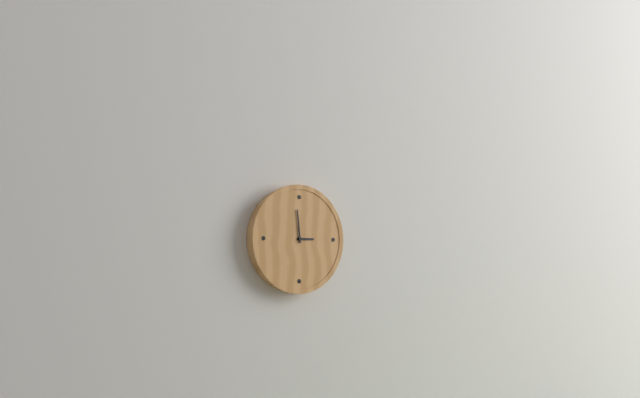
2:59
